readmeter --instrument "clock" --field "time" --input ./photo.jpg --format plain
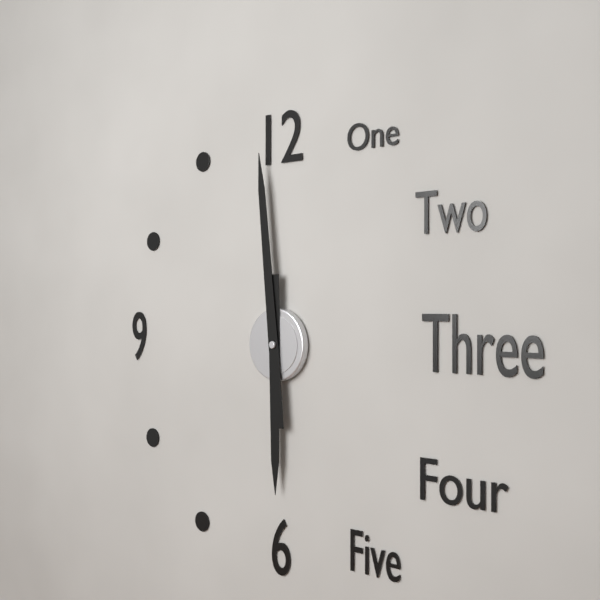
5:59
